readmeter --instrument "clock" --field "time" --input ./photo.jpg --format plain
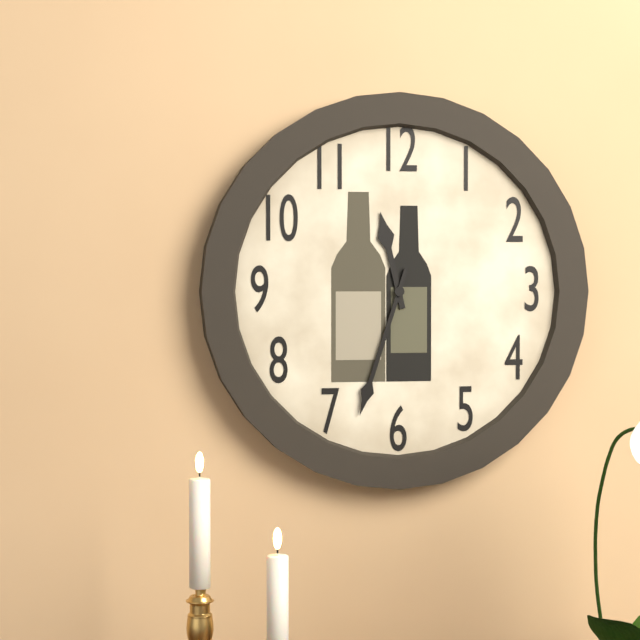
11:33
